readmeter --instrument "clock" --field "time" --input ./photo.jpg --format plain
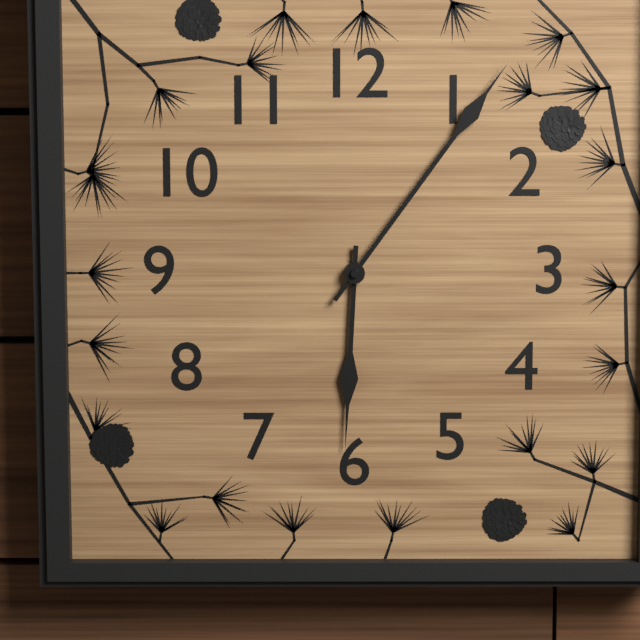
6:06
